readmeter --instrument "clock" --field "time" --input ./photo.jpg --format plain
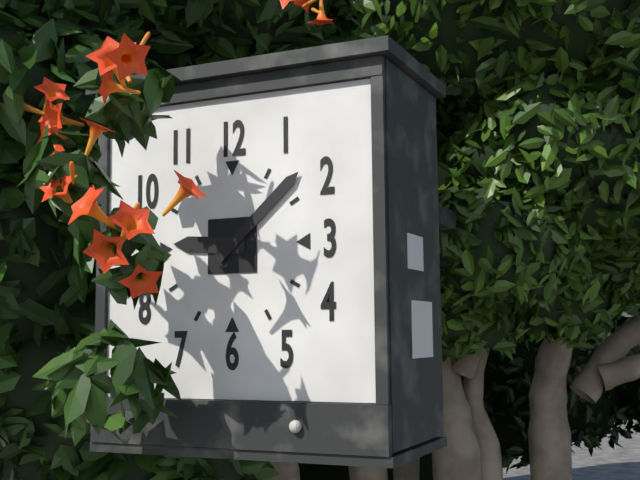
9:08
